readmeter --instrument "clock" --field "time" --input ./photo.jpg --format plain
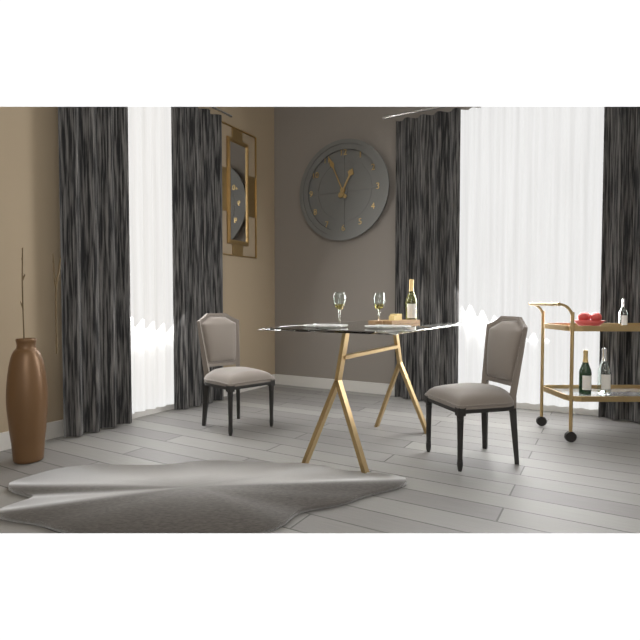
12:56
